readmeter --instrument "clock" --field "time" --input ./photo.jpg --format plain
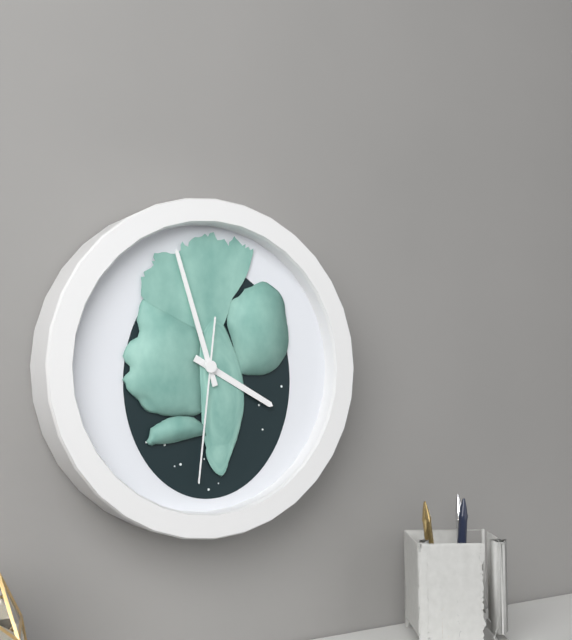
3:57:31
